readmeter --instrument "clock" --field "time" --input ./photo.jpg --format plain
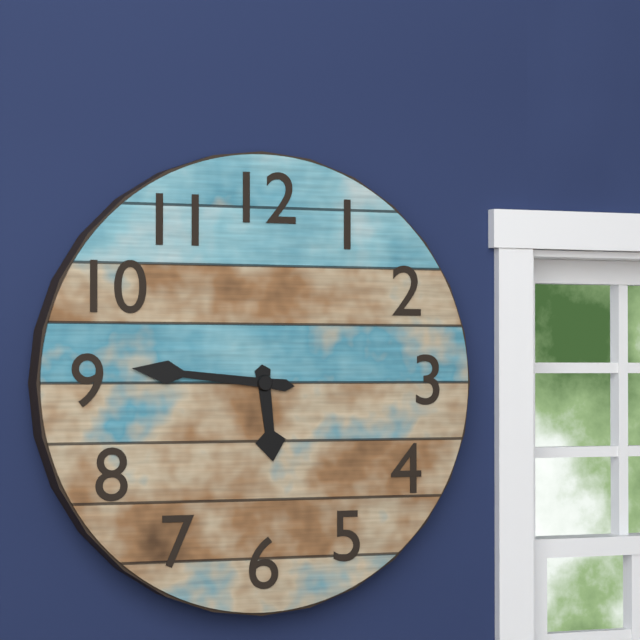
5:46
